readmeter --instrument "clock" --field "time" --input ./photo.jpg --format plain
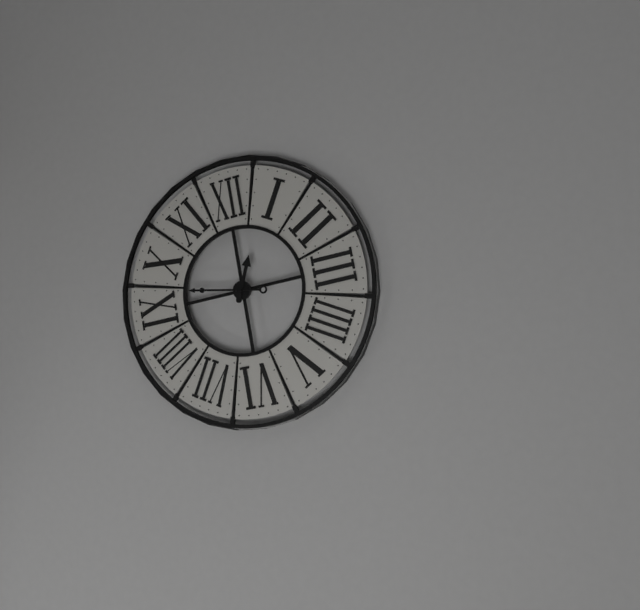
12:47
